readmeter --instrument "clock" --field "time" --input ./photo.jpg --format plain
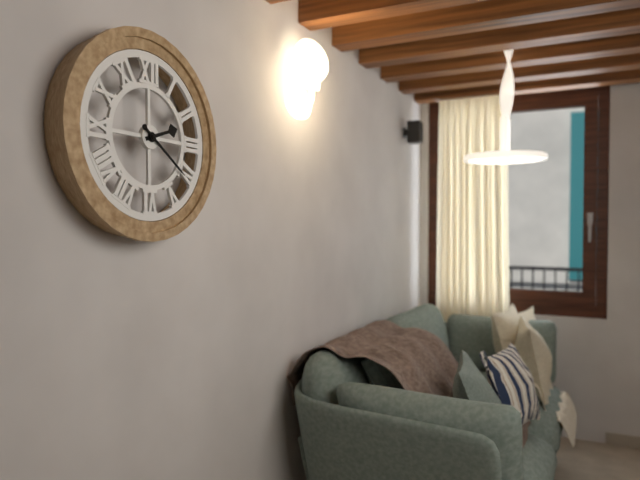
2:21
